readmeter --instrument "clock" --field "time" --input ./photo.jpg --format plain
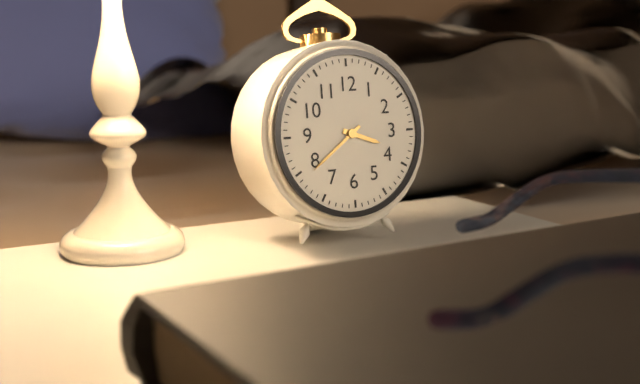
3:39
